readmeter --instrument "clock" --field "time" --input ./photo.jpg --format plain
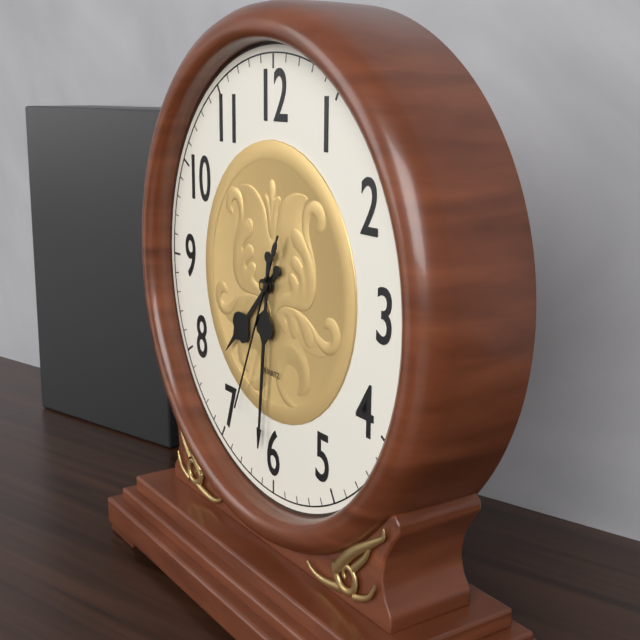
7:31:34
